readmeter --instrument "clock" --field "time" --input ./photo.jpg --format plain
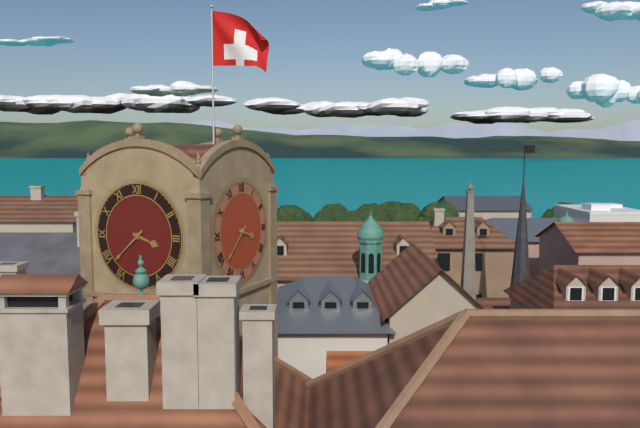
3:38
